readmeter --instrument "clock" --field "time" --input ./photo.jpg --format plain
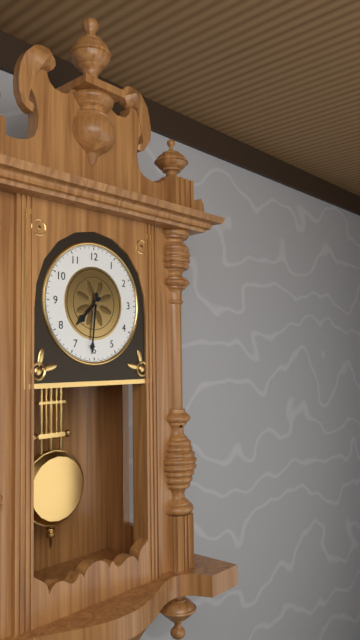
7:31
